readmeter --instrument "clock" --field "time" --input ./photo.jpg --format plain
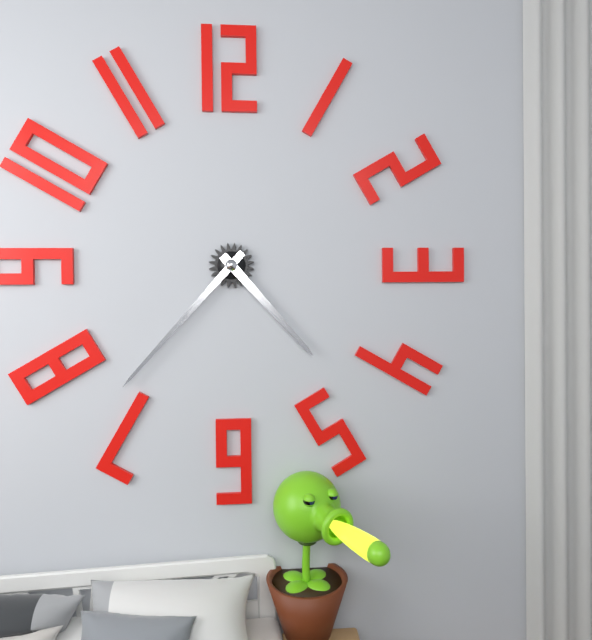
4:37
